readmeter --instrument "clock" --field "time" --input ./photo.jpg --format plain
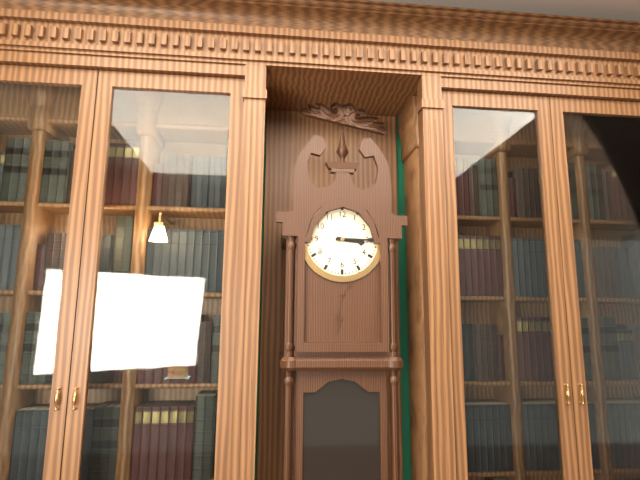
3:15
